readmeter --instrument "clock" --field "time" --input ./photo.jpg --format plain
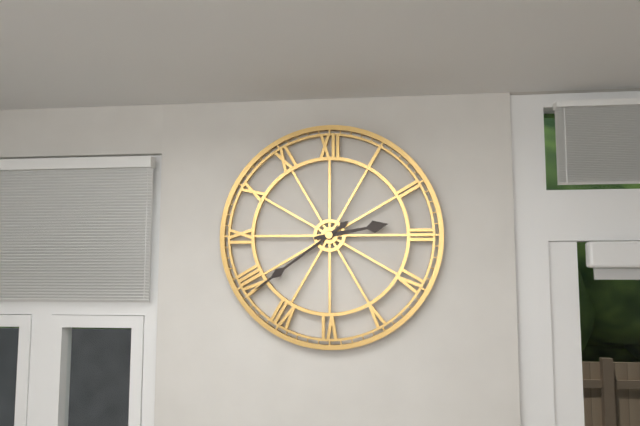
2:39
